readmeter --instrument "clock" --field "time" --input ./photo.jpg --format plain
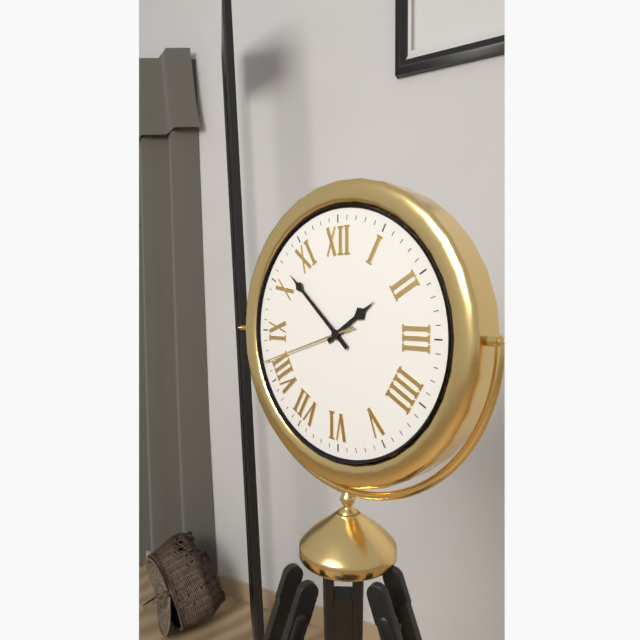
1:52:42
